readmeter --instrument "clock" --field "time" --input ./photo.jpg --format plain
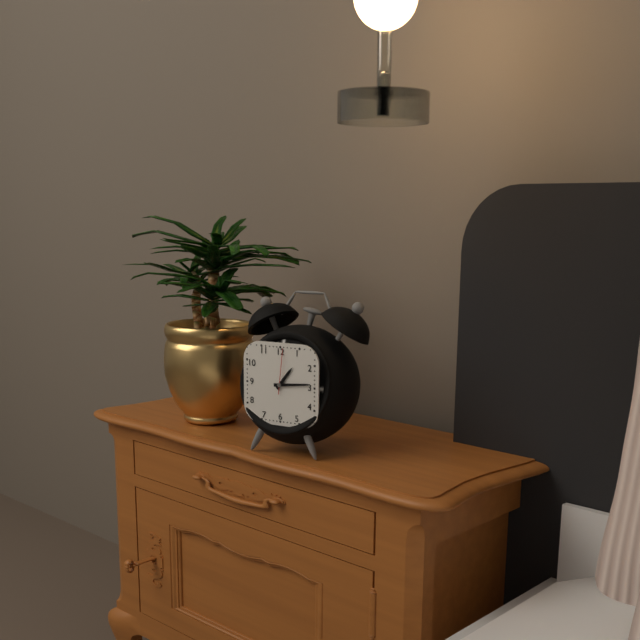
1:14
